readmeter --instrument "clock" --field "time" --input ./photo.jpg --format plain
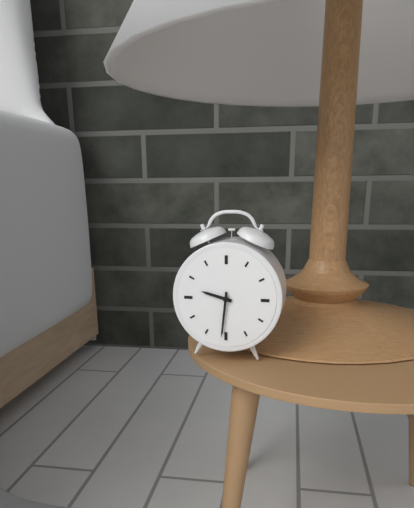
9:31
